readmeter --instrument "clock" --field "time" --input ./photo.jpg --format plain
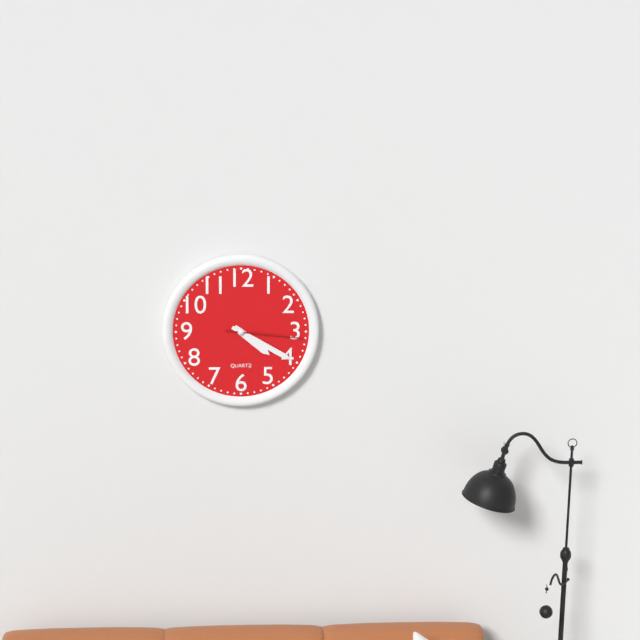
4:20:16
